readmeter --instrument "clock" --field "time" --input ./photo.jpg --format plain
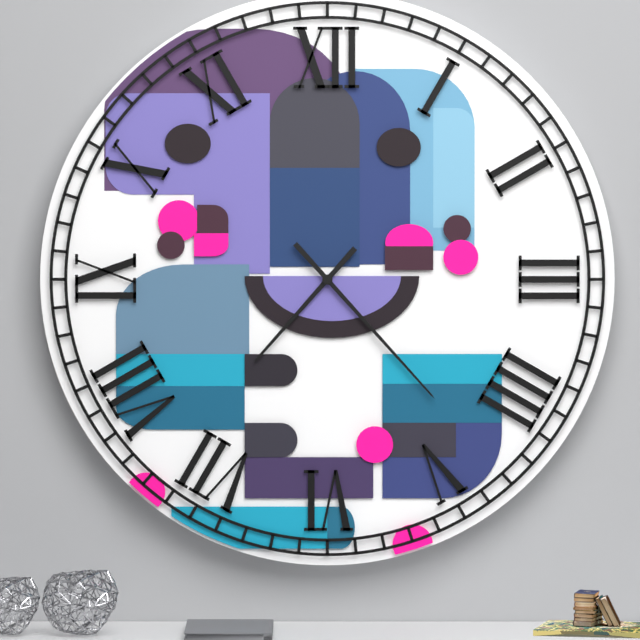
7:23
